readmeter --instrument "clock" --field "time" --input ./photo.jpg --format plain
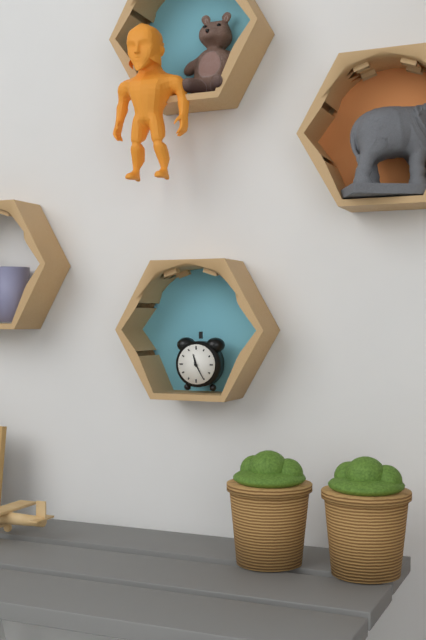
11:25
